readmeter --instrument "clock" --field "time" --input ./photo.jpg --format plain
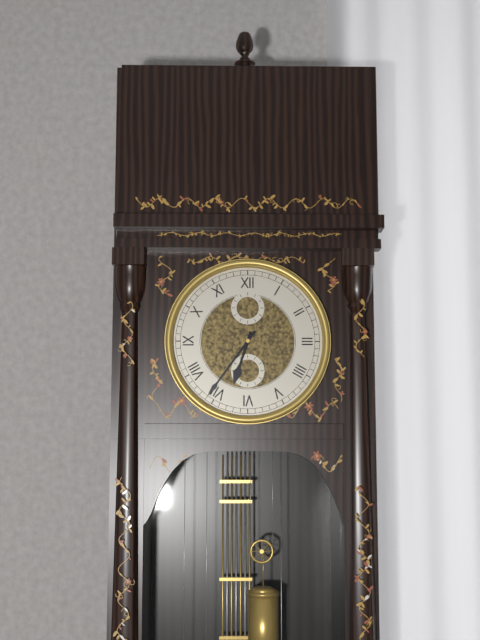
6:36
